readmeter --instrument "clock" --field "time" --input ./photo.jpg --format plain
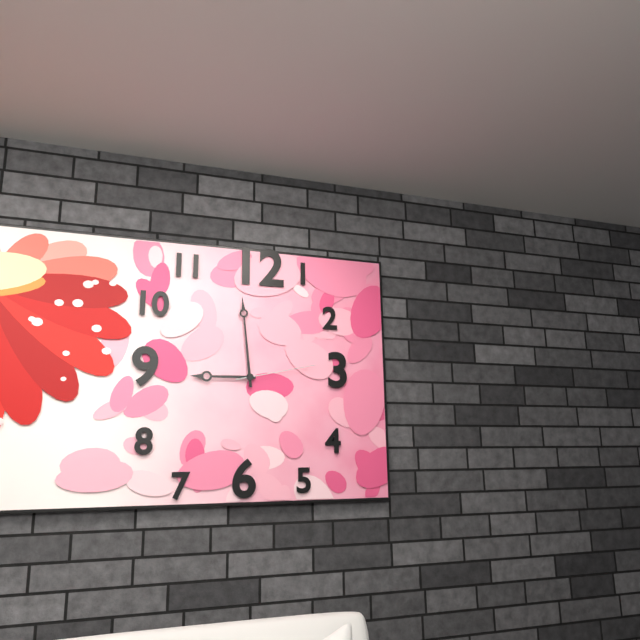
8:59:13
